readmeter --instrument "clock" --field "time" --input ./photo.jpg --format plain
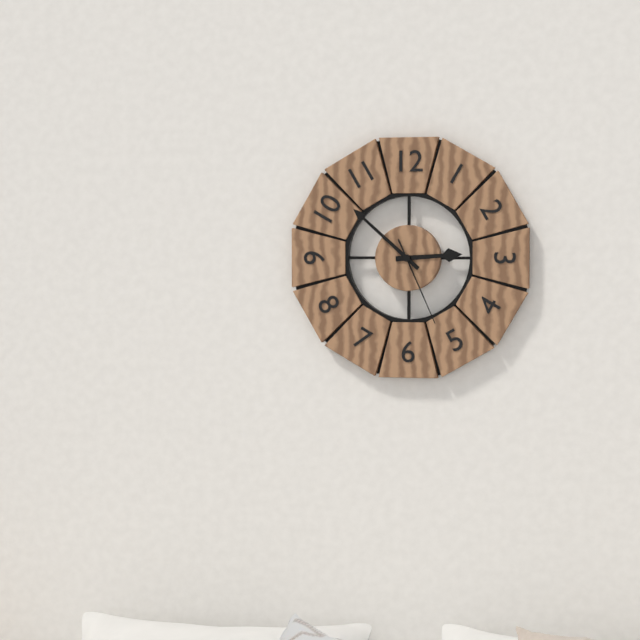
2:52:26
